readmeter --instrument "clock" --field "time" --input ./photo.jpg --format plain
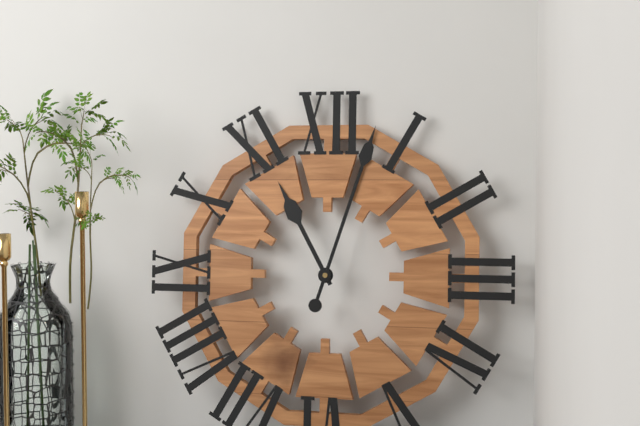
11:03
